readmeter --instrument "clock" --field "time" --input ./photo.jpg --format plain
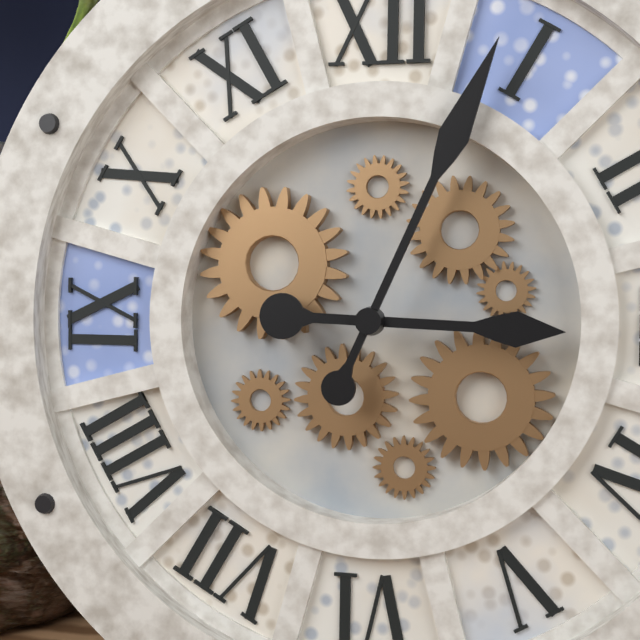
3:04
